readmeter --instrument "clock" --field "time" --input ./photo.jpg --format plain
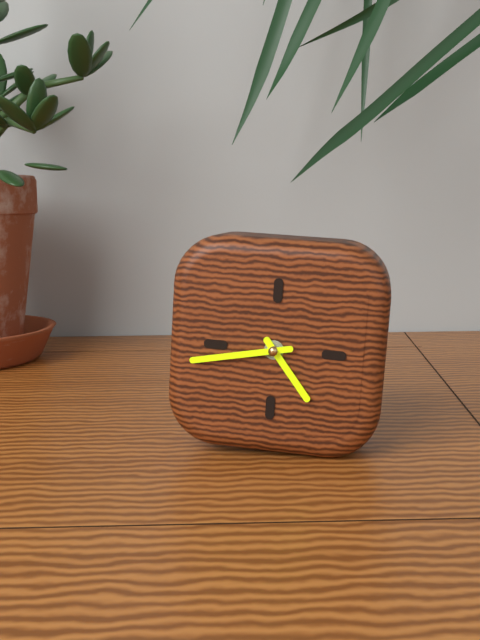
4:43
